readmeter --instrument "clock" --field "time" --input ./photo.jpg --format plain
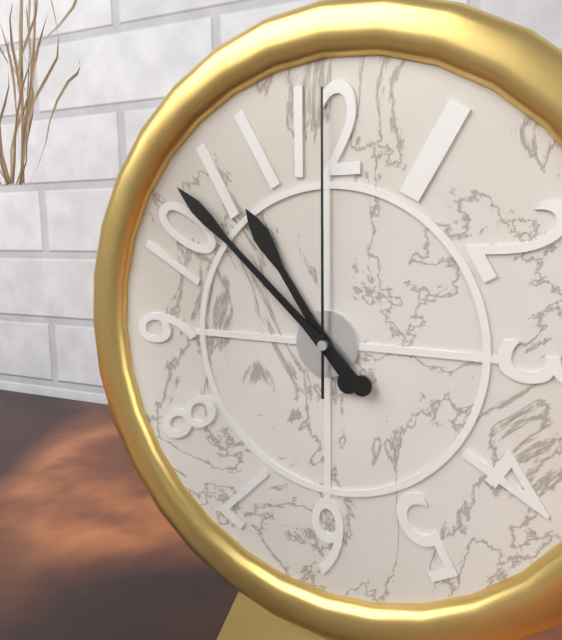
10:52:00
